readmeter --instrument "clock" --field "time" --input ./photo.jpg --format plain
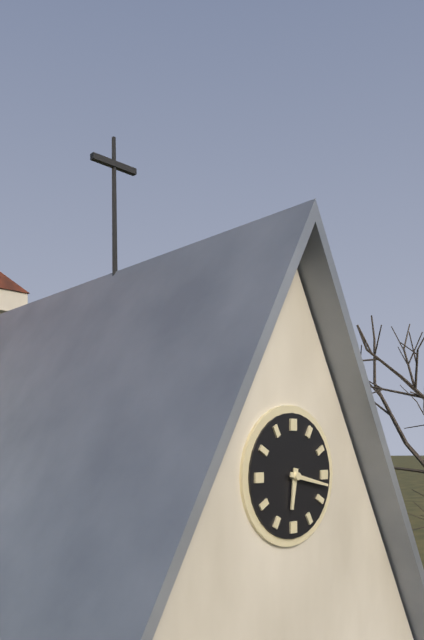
6:17
